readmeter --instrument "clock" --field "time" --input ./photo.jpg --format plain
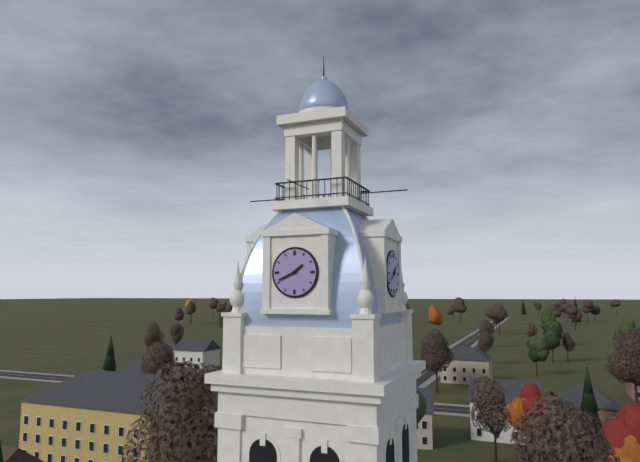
1:41
